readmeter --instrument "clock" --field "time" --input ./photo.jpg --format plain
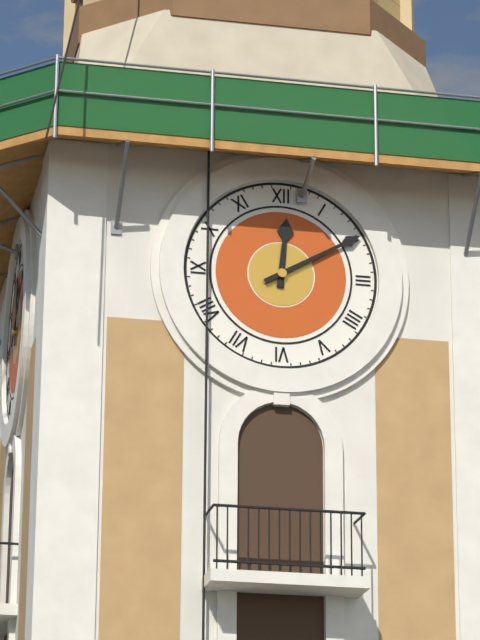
12:10
